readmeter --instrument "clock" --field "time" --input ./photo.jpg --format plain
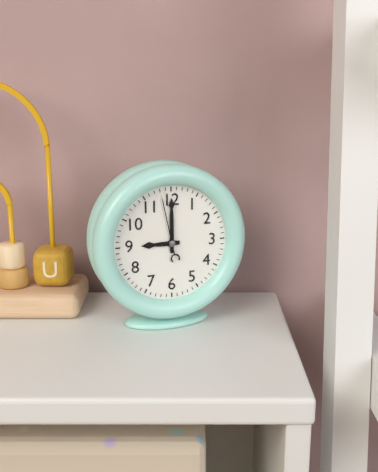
9:00:58
